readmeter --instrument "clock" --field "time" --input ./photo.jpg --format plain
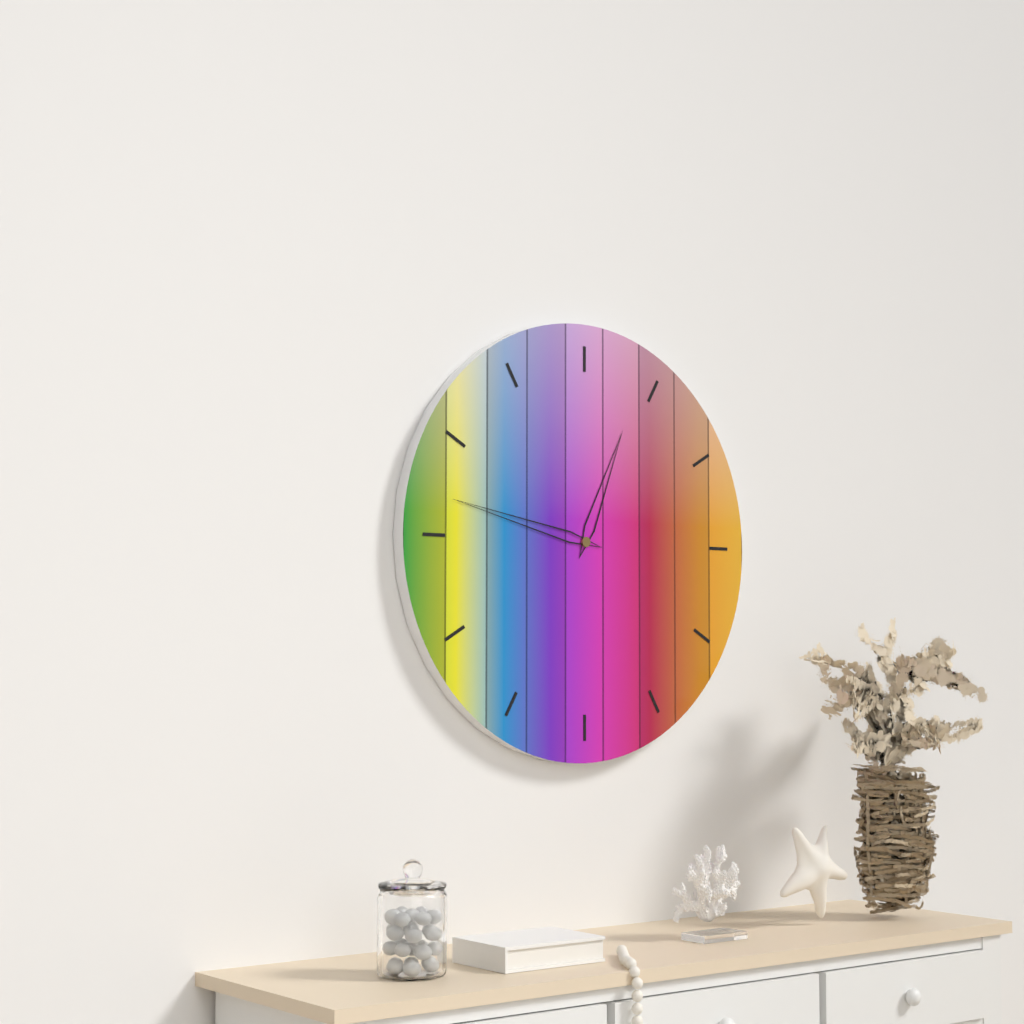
12:47
